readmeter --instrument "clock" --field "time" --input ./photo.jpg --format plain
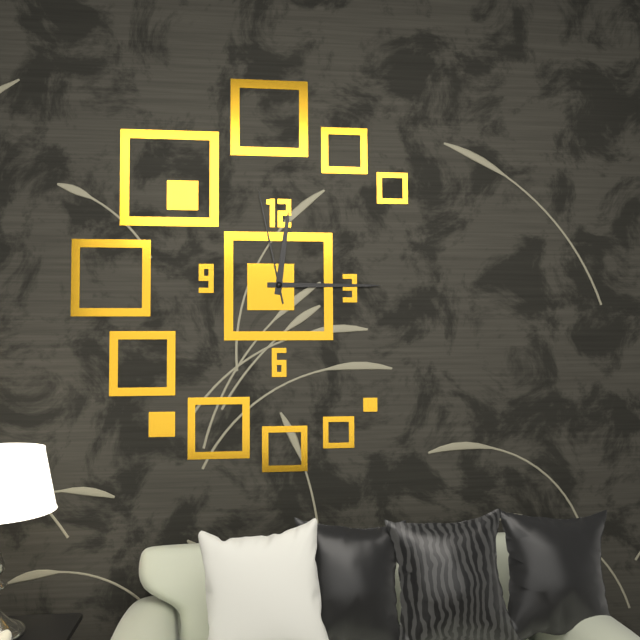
12:15:58
